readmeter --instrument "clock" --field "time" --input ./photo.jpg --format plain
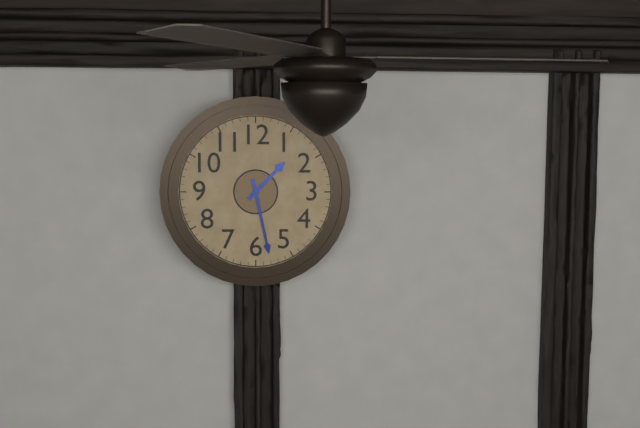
1:28
